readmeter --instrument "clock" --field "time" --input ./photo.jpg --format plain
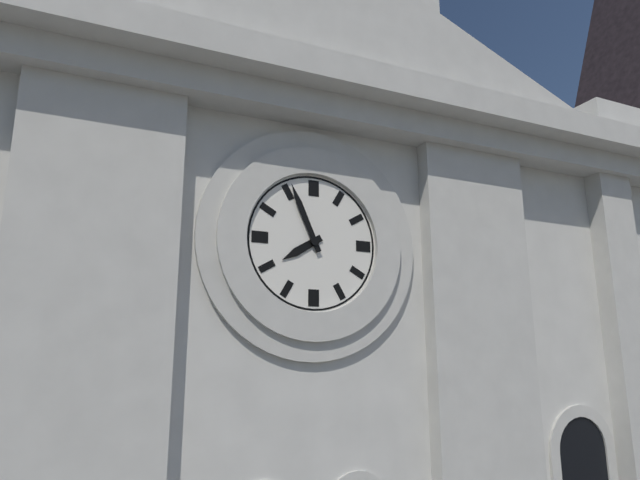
7:56
